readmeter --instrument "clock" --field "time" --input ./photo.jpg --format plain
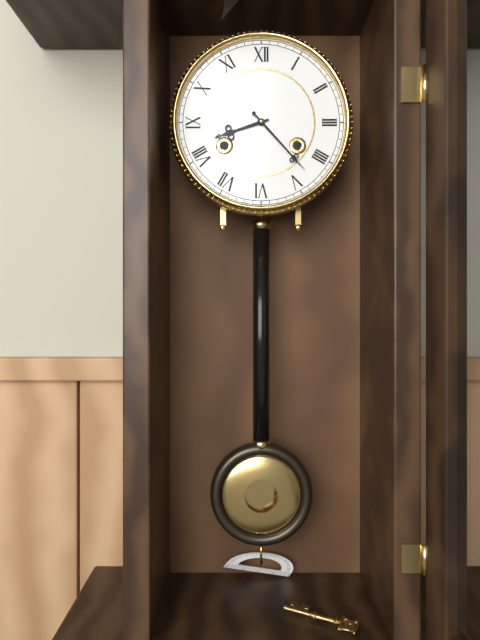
8:23
